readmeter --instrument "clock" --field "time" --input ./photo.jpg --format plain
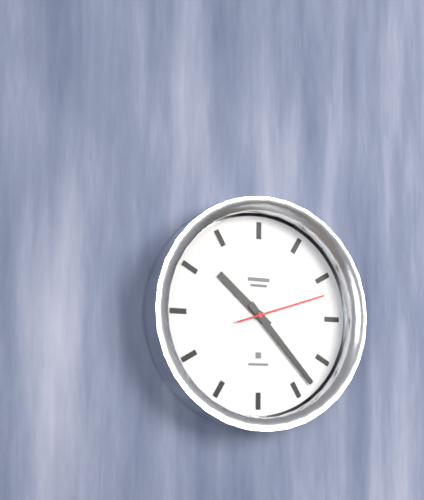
10:23:12
